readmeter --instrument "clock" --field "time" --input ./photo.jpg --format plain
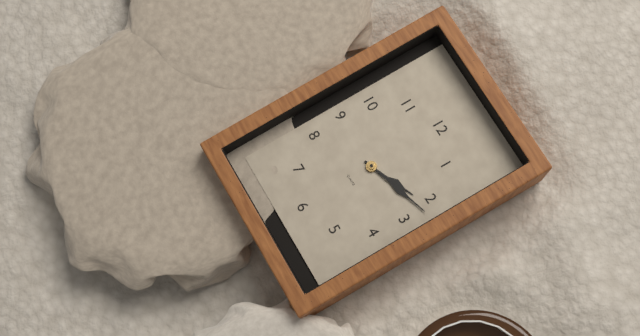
2:12
